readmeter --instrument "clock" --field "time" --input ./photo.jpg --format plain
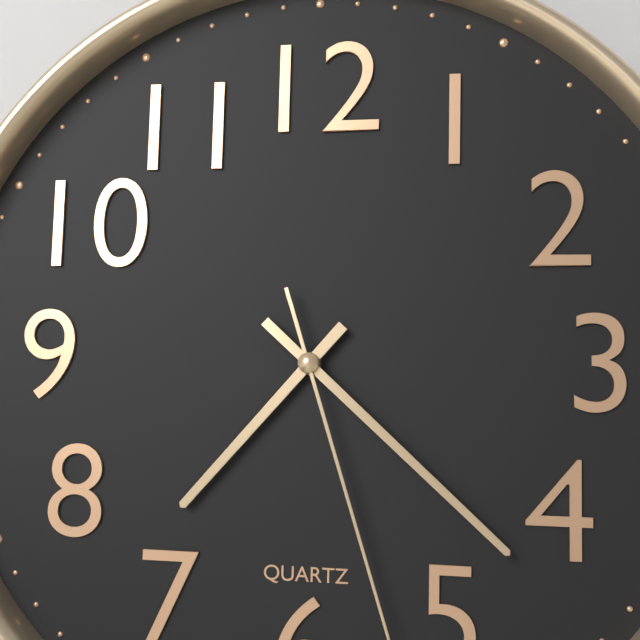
7:22
